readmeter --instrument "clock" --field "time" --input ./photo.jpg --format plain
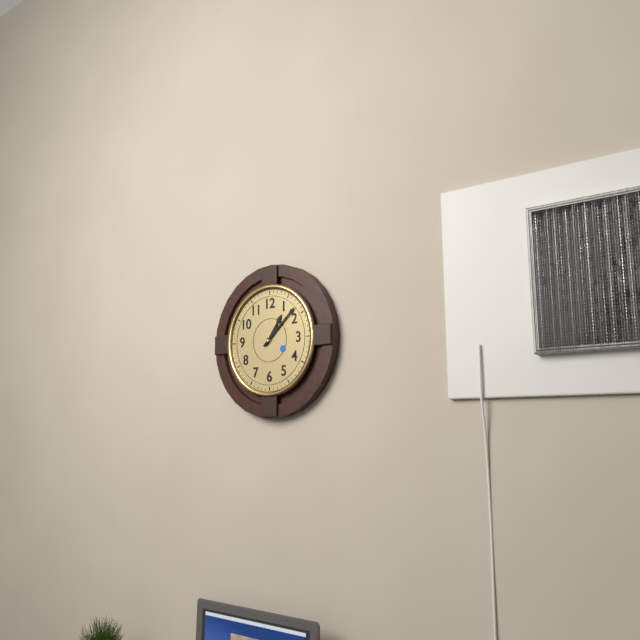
1:08
